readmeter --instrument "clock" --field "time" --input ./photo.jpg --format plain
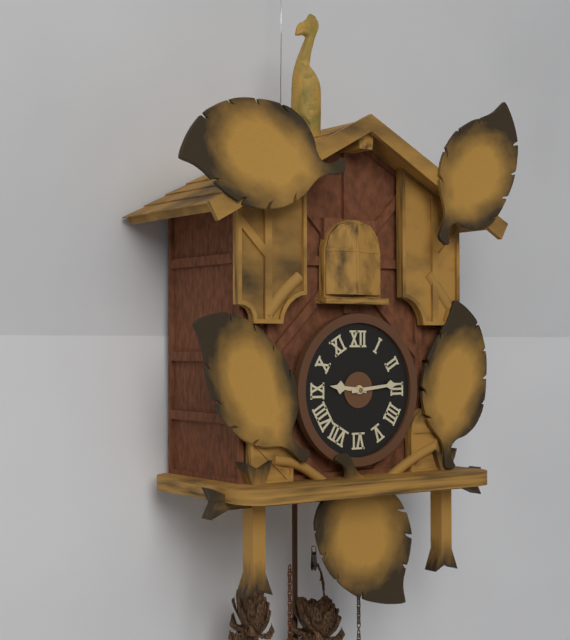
9:14
